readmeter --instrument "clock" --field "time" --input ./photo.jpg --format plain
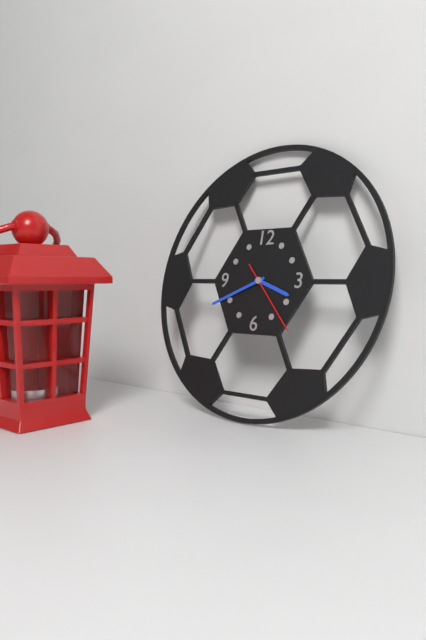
3:41:23
